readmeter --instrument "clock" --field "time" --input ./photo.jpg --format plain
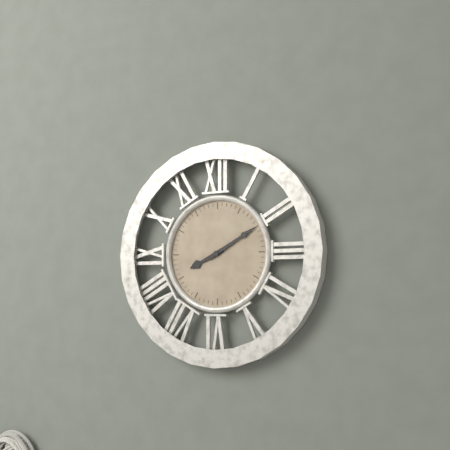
8:10
